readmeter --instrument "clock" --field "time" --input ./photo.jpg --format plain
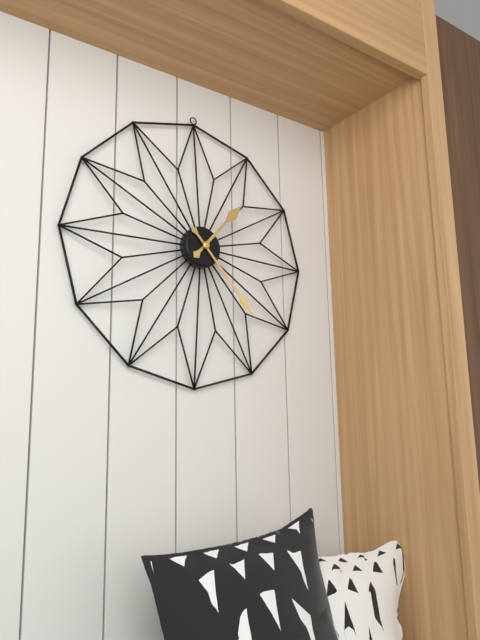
1:23
